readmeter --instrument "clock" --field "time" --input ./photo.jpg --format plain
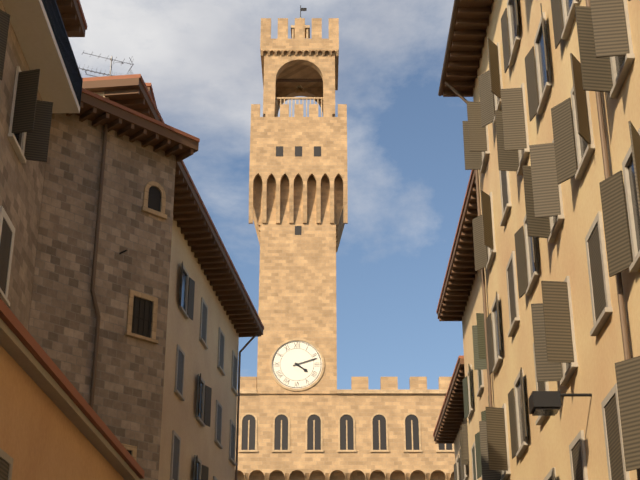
4:12
